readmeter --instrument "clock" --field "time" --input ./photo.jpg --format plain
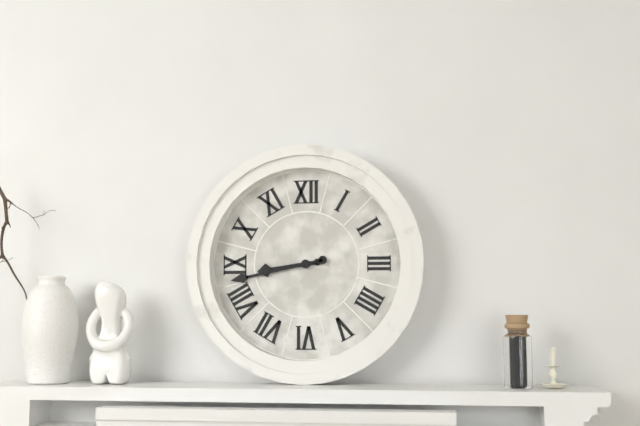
8:43
